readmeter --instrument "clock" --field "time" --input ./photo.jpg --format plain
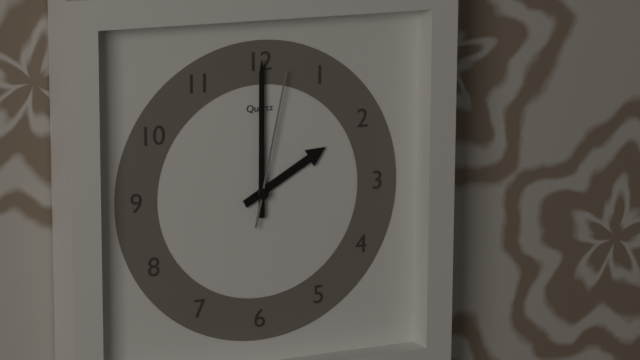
2:00:02
